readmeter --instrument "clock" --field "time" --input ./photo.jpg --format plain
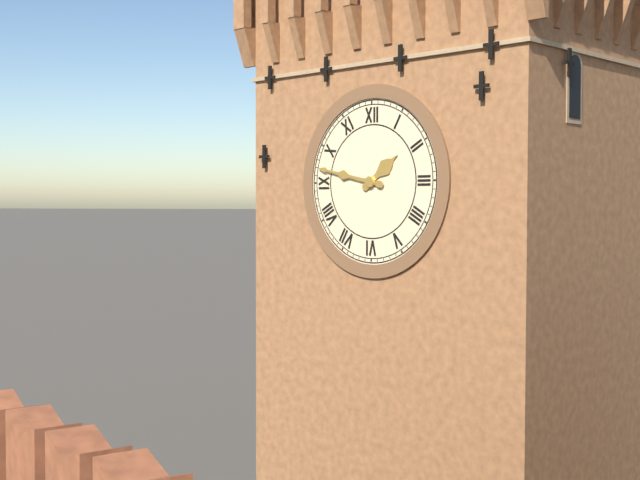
1:47
